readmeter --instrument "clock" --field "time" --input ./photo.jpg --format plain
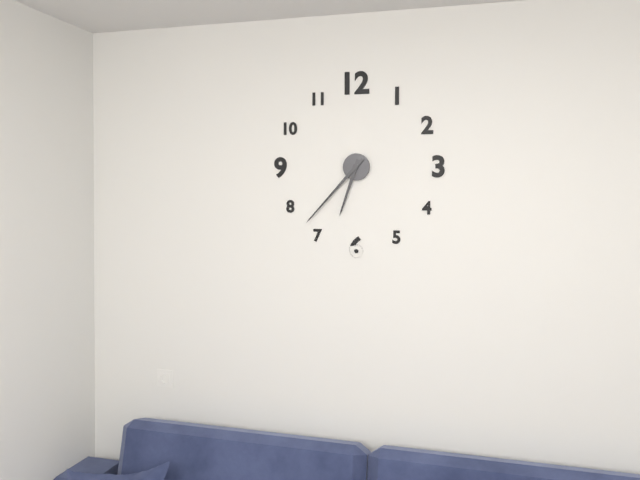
6:37
